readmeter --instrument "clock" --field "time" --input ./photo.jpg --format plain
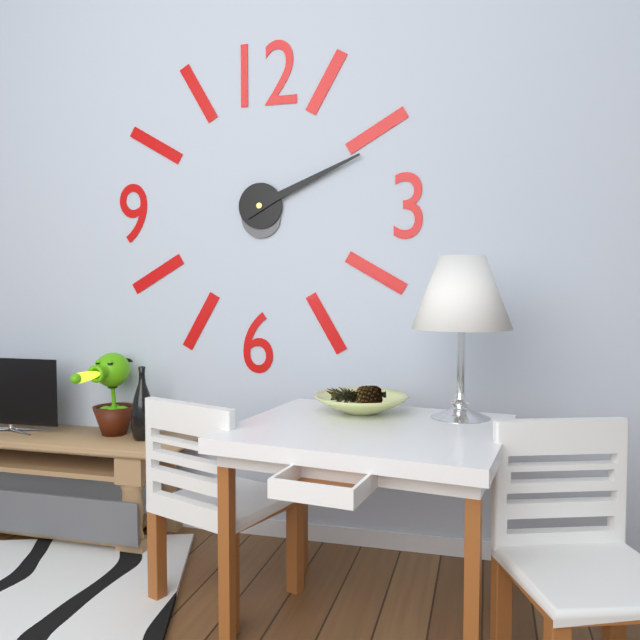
2:11
